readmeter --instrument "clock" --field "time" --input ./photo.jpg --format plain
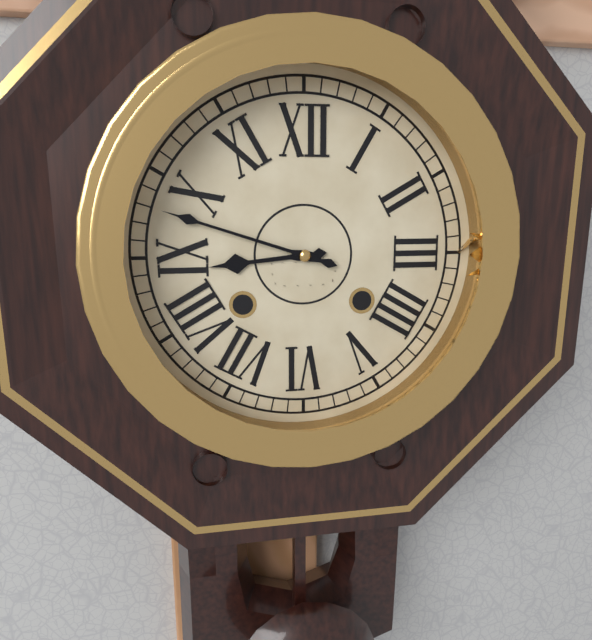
8:48
